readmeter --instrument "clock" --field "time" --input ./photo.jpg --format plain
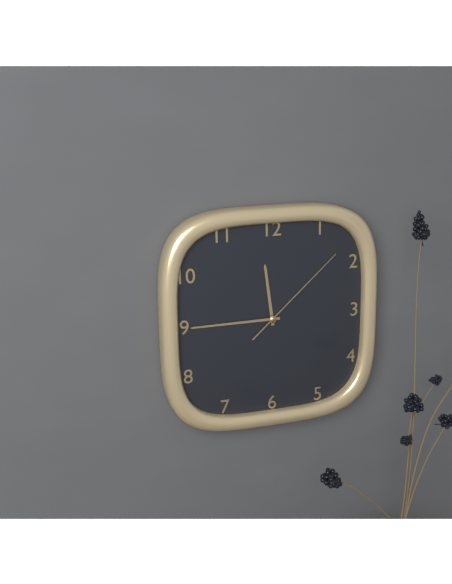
11:45:08
